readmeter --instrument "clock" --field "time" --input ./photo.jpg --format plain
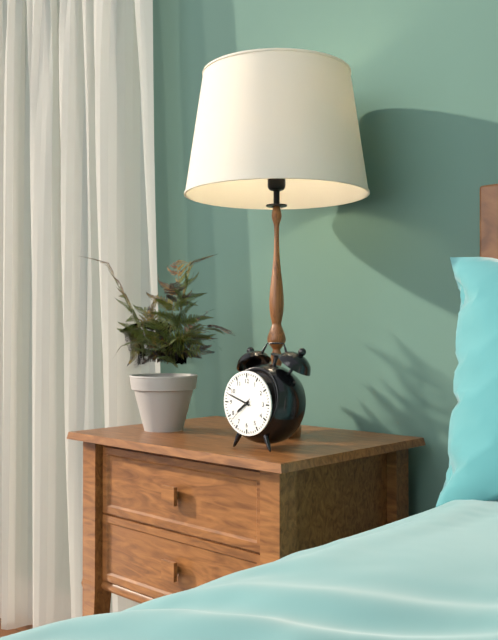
7:48
